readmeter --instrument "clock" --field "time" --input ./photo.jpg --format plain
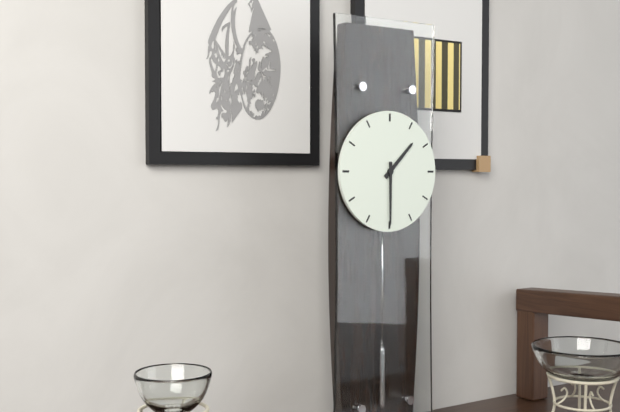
1:30
